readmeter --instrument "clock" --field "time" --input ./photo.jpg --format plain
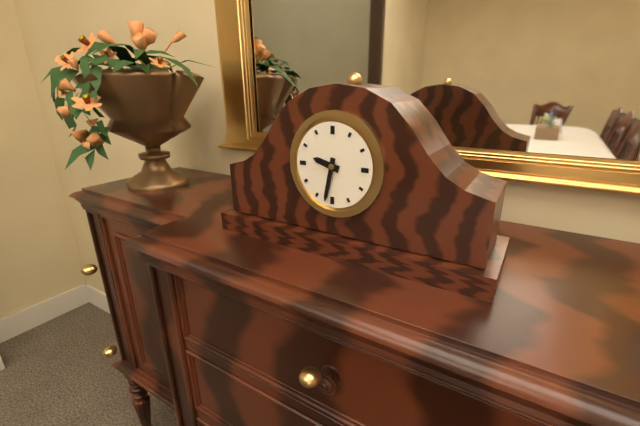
9:32
